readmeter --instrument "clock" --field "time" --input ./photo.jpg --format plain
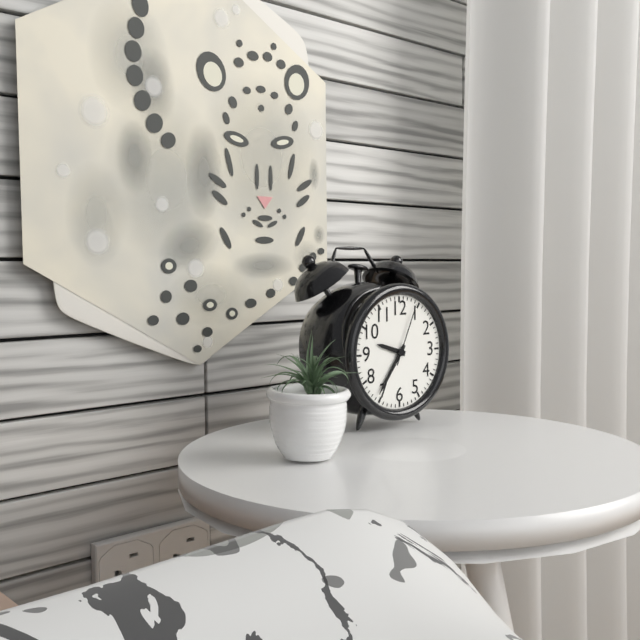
9:36:04
